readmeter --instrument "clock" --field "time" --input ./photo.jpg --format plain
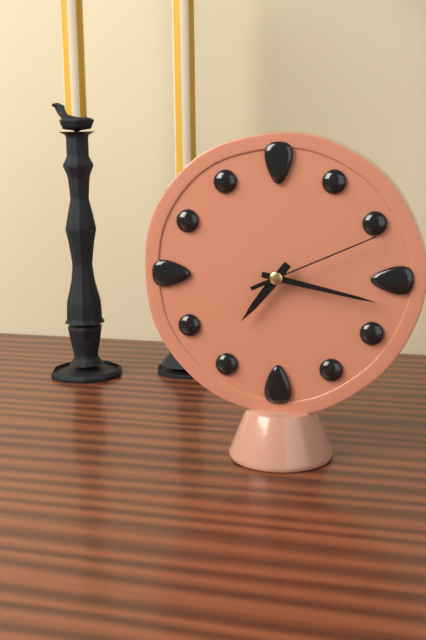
7:17:11
